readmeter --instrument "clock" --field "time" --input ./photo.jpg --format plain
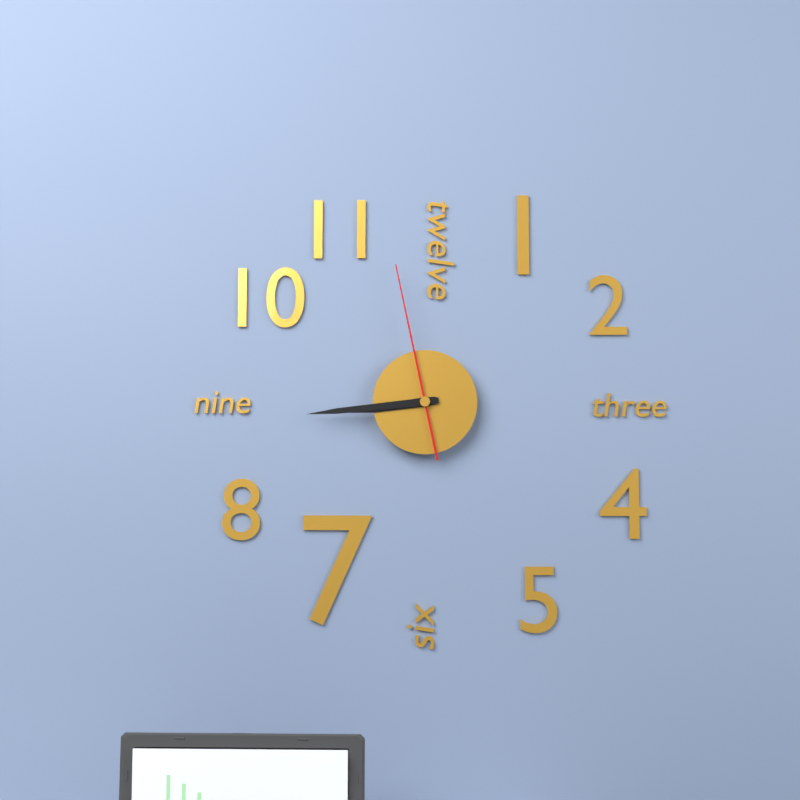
8:44:58
